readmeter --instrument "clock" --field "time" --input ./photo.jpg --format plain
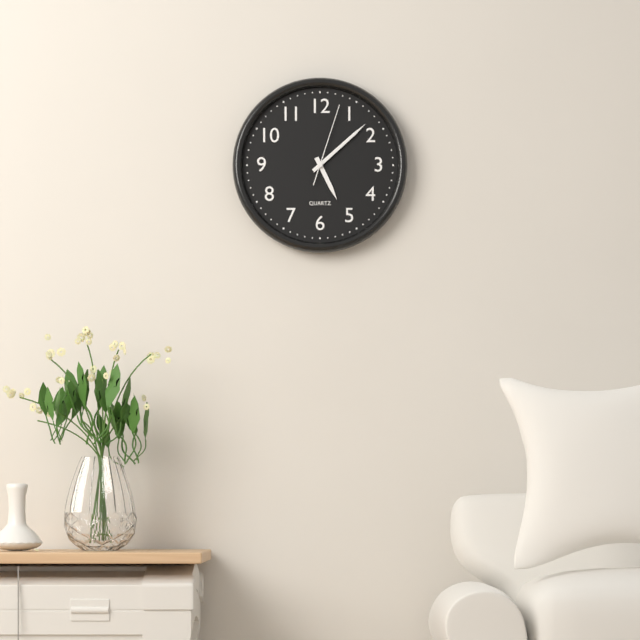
5:08:03
